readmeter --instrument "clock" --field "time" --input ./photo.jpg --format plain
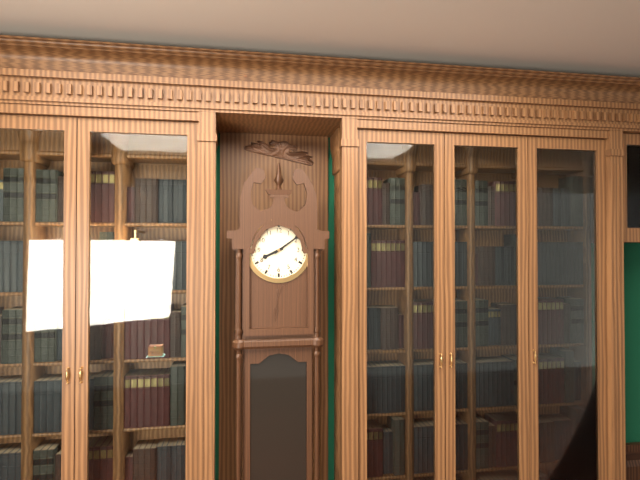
8:09
